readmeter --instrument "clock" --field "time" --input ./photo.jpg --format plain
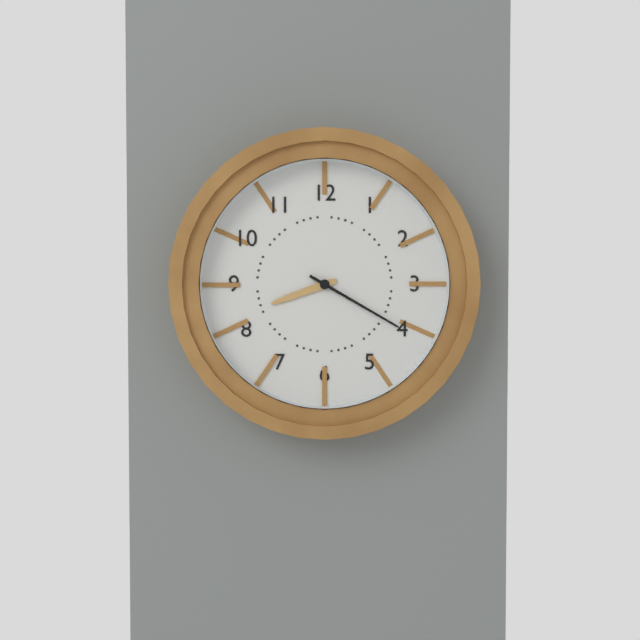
8:20
